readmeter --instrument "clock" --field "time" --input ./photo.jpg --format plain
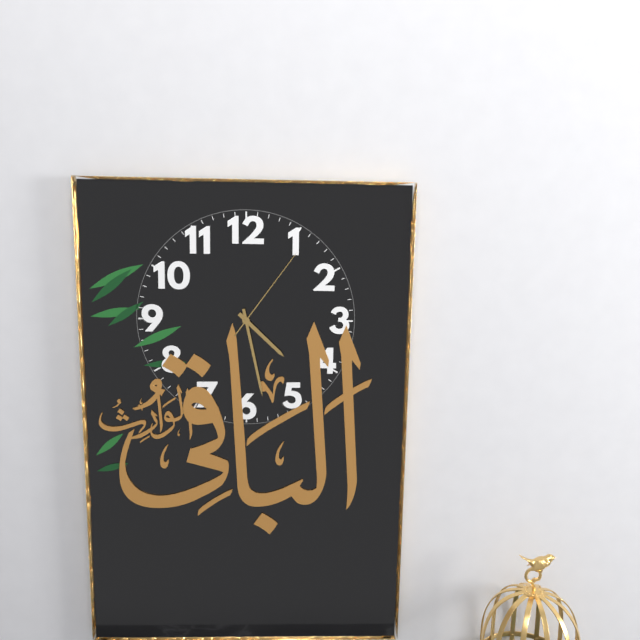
4:28:06
